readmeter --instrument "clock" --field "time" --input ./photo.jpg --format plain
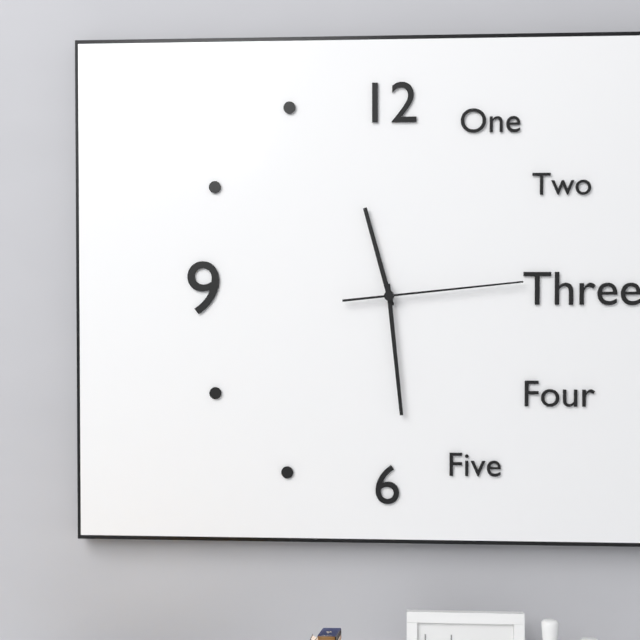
11:29:14
